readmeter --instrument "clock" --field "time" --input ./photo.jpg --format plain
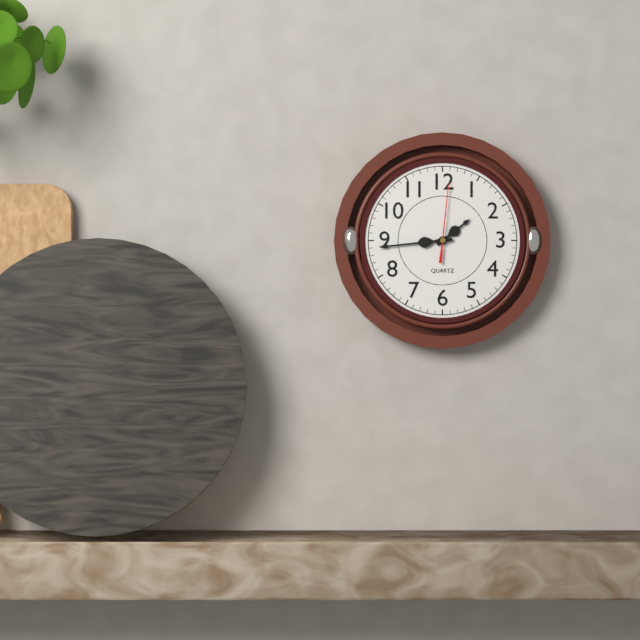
1:44:01
